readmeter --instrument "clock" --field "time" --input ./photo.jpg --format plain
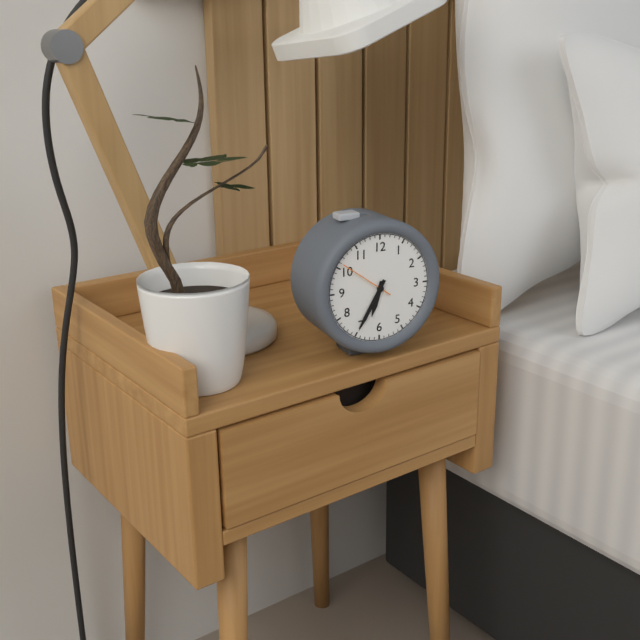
6:35
